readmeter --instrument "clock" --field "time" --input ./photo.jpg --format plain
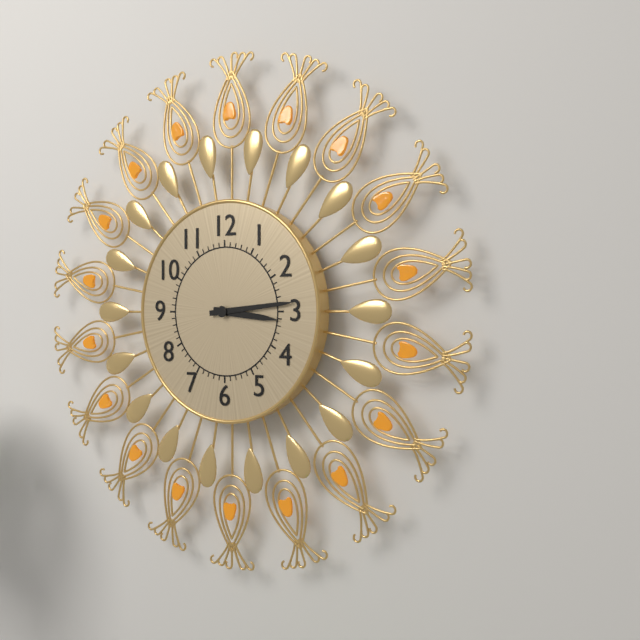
3:14
